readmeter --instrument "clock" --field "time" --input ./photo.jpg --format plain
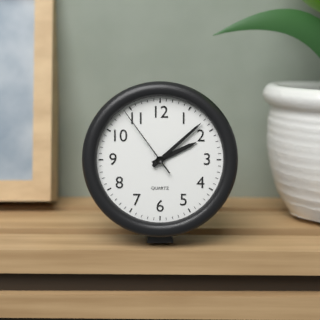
2:08:54
